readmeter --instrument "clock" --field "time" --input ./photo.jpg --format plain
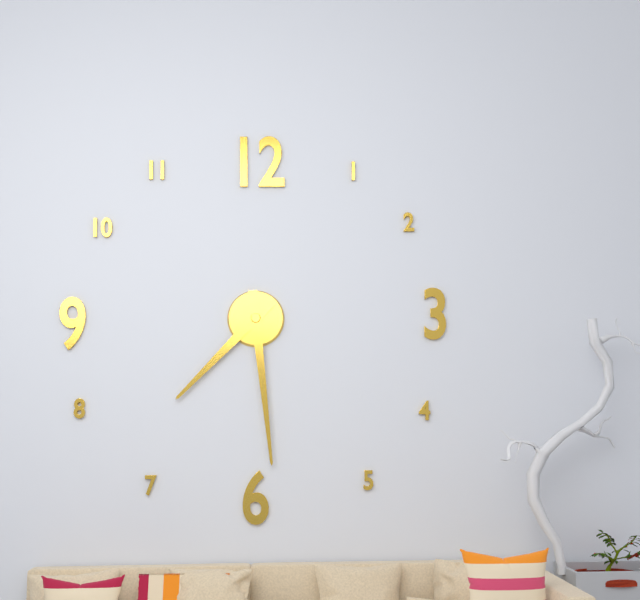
7:29
